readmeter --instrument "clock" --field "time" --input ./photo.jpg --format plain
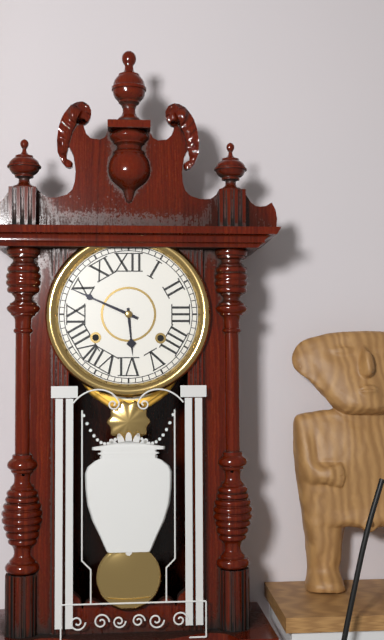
5:49
